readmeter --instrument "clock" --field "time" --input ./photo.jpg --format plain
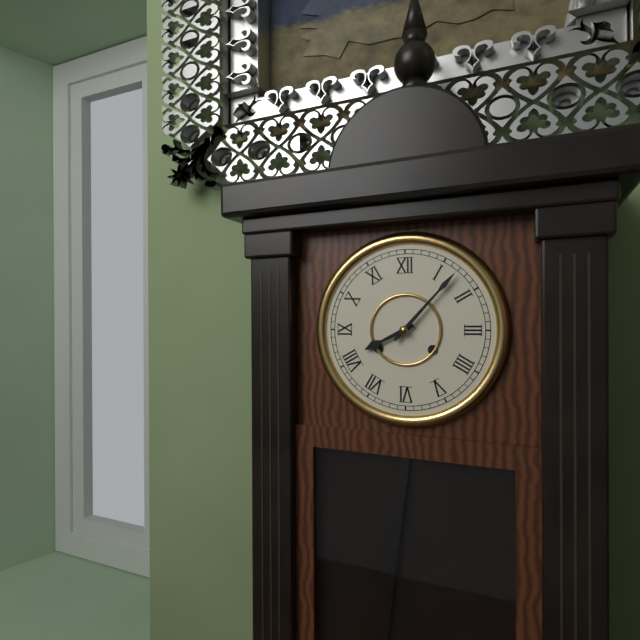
8:07
